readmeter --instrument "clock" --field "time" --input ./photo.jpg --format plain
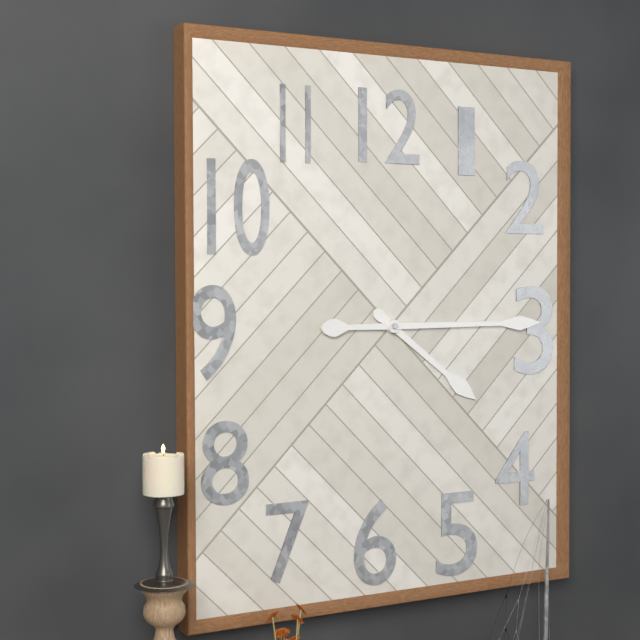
4:15
